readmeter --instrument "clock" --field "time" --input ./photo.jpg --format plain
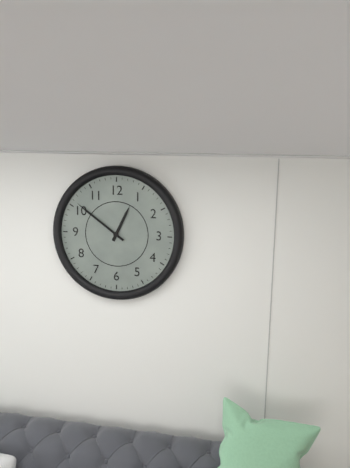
12:51
